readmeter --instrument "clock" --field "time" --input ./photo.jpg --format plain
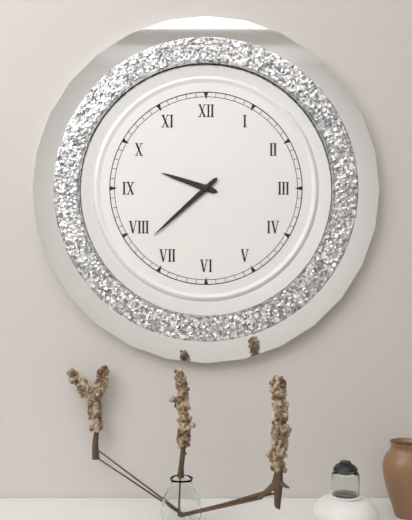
9:38
